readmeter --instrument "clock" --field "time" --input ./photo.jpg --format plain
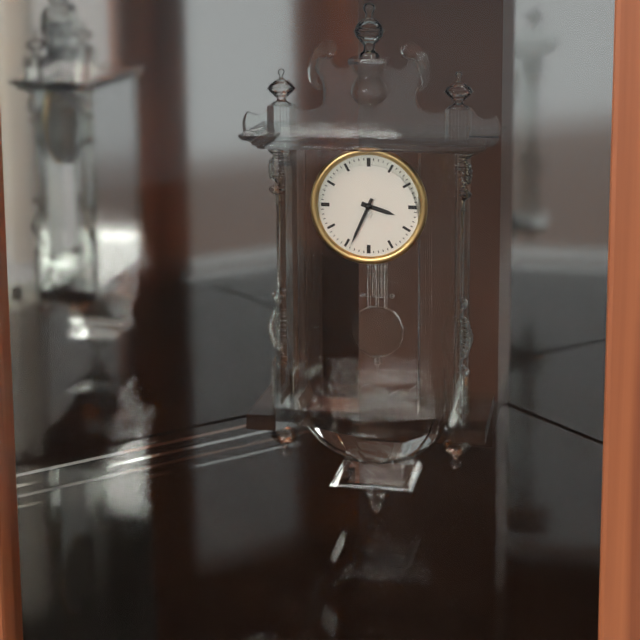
3:34
